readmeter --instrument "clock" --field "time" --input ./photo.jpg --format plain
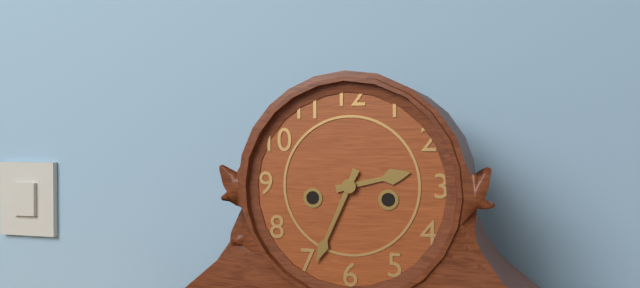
2:34
